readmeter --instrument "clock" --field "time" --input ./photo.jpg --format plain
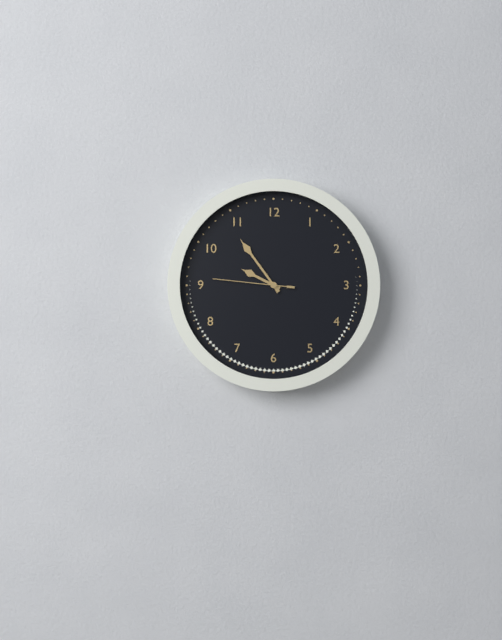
9:54:46
